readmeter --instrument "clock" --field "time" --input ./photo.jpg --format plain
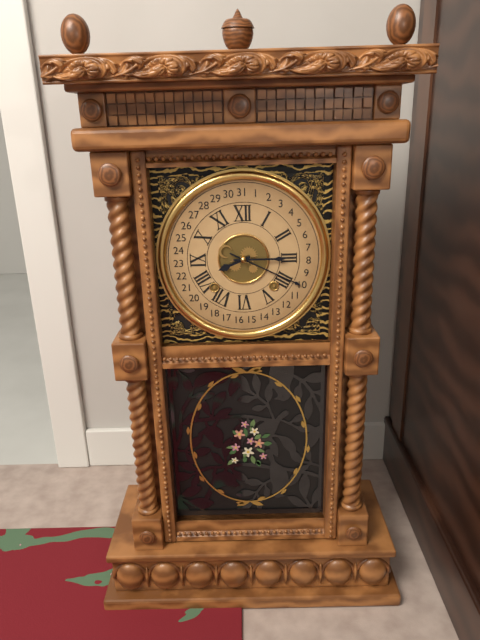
8:15
